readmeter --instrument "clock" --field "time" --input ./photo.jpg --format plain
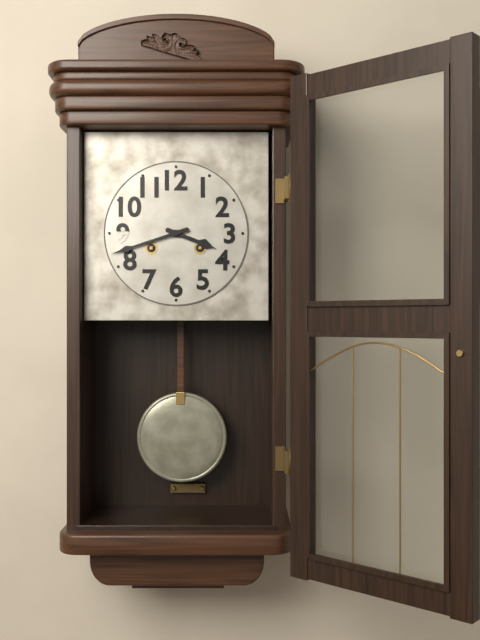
3:42
